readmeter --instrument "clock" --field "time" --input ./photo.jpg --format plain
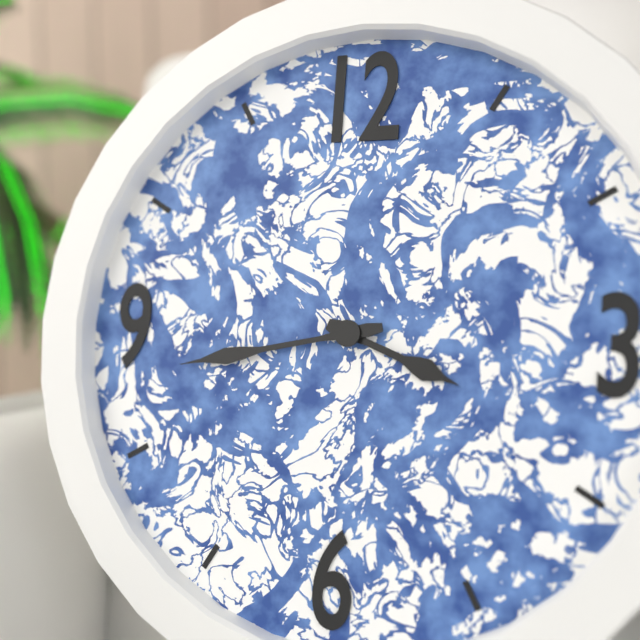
3:43
